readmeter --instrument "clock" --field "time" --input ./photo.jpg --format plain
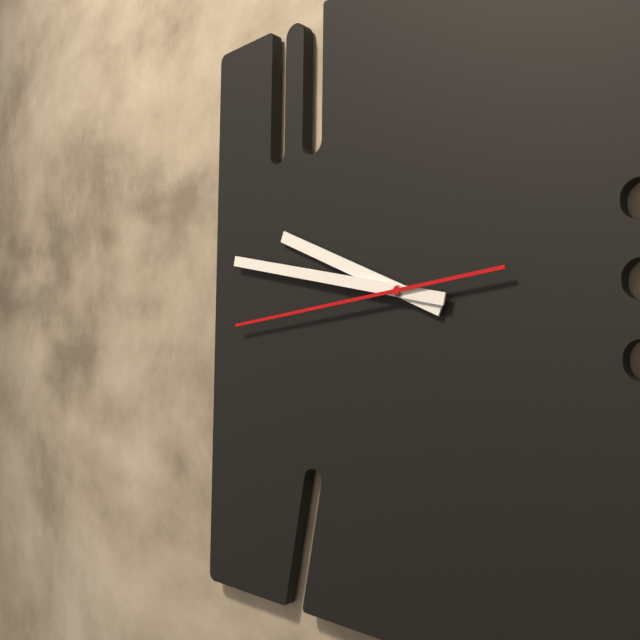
9:47:44
